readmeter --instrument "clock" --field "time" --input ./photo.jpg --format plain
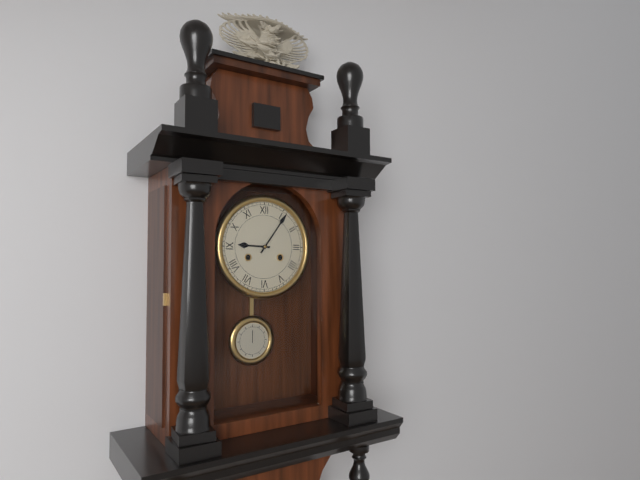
9:06
